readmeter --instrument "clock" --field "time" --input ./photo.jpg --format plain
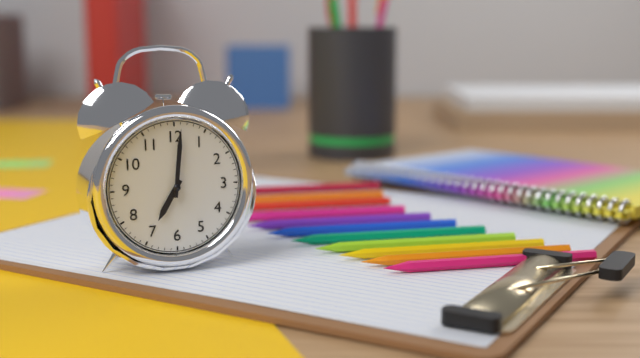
7:01
